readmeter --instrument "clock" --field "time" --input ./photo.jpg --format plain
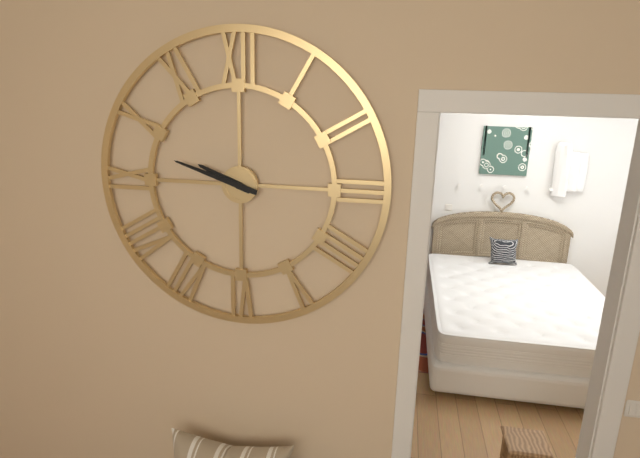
9:48
